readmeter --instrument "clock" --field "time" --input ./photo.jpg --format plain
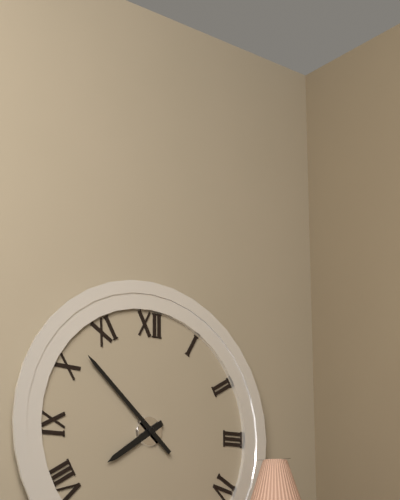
7:52
